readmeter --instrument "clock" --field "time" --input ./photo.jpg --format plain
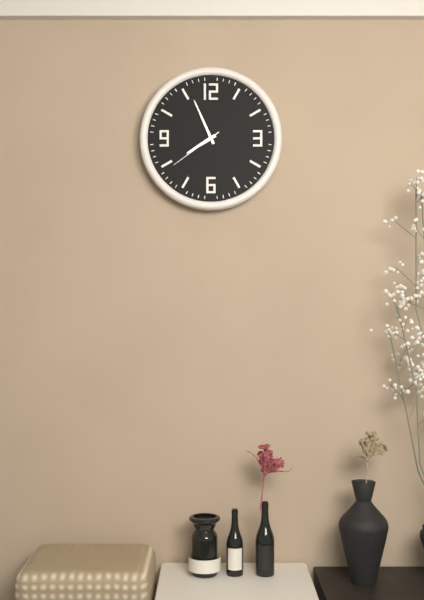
7:56:39
